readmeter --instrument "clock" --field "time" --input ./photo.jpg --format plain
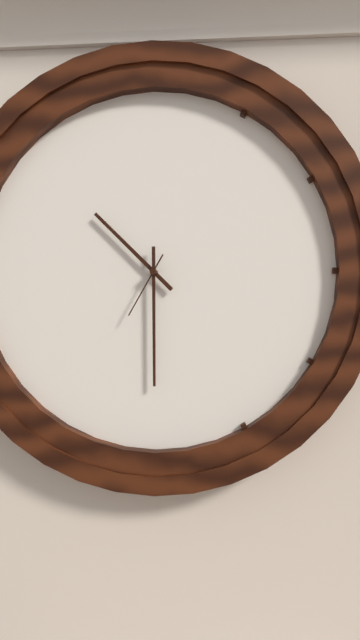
10:30:35
